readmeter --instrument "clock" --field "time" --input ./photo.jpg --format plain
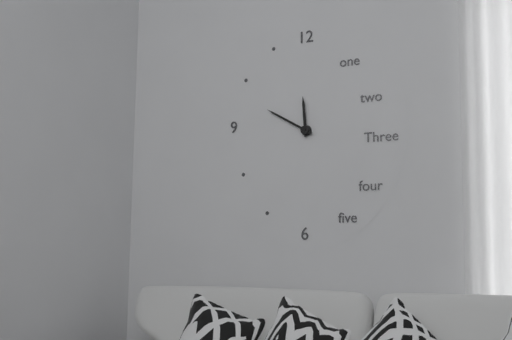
11:50
